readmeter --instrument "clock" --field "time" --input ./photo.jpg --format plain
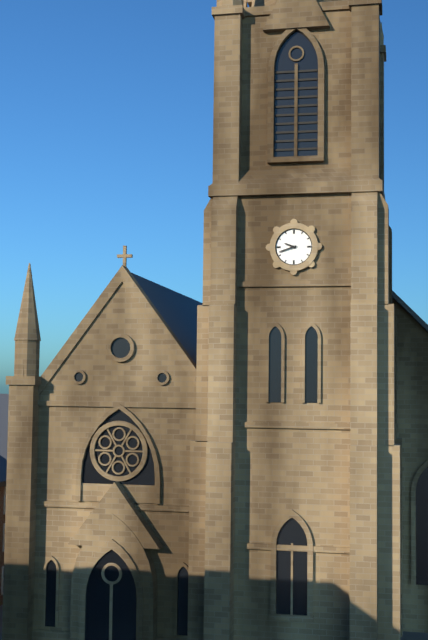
9:42
